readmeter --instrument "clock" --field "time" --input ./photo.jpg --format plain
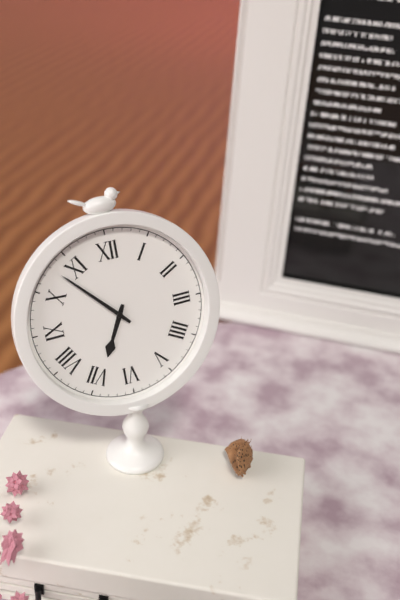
6:53
